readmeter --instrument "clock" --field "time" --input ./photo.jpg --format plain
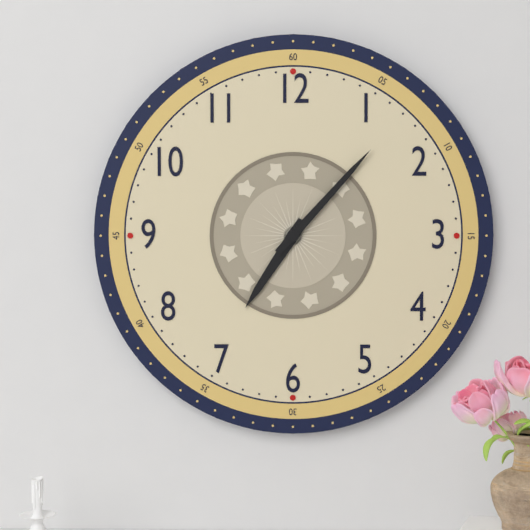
7:07
